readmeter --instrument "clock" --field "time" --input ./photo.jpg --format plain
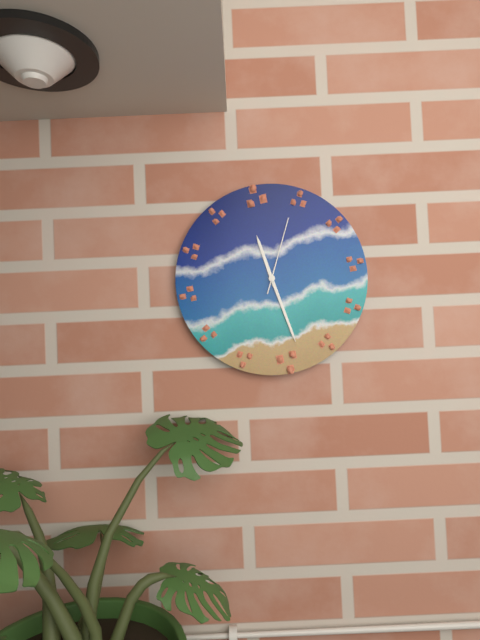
11:27:03
